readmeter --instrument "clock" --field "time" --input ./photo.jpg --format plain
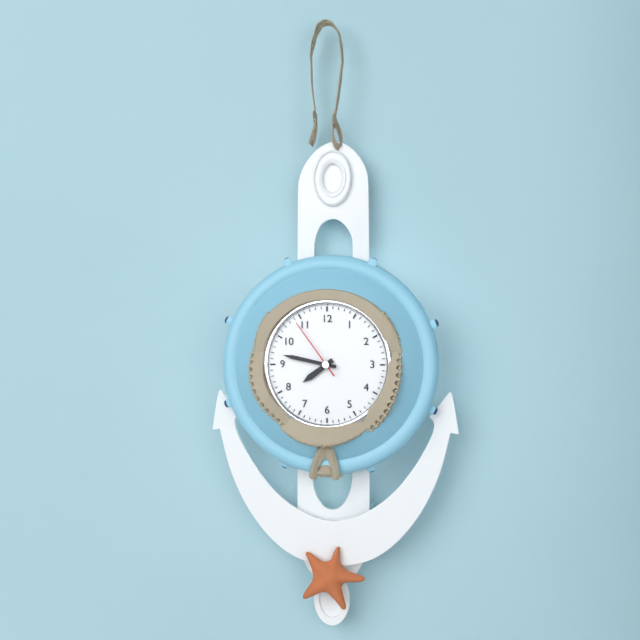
7:47:54
